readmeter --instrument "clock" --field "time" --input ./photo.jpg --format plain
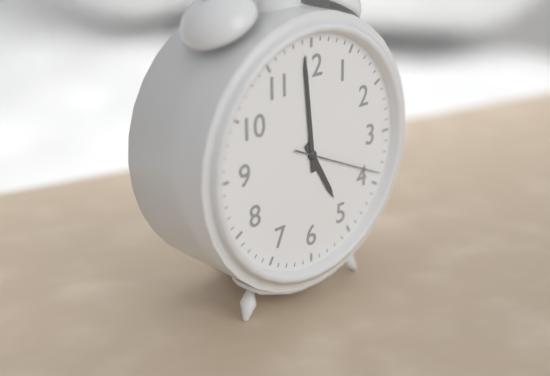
4:59:19
